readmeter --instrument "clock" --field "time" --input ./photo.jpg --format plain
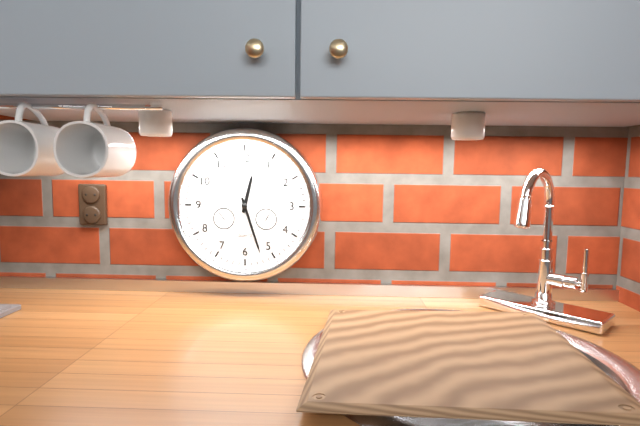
12:27
